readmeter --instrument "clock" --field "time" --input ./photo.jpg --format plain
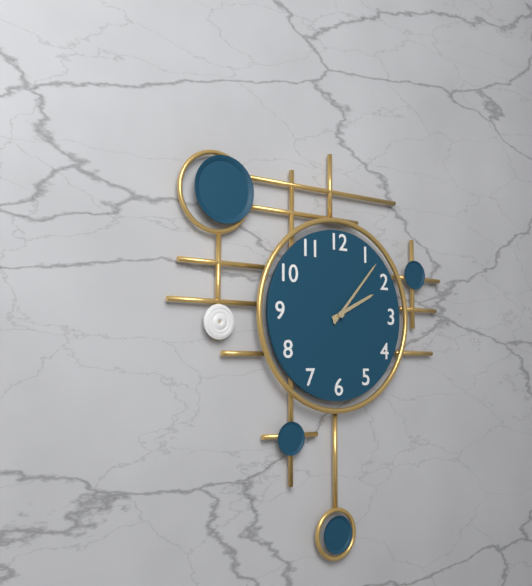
2:07
